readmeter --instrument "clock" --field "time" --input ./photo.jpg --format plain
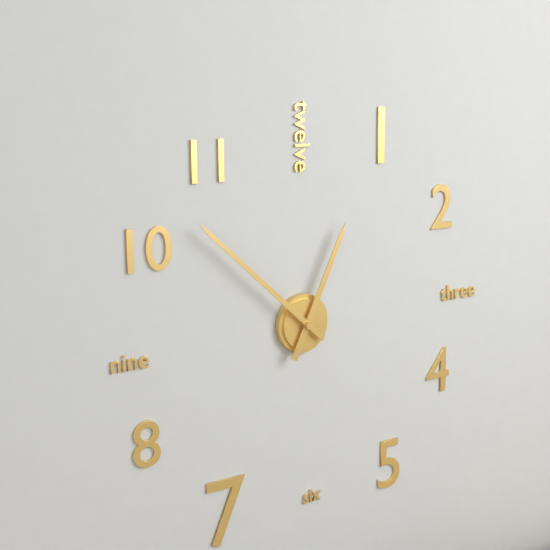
12:52
